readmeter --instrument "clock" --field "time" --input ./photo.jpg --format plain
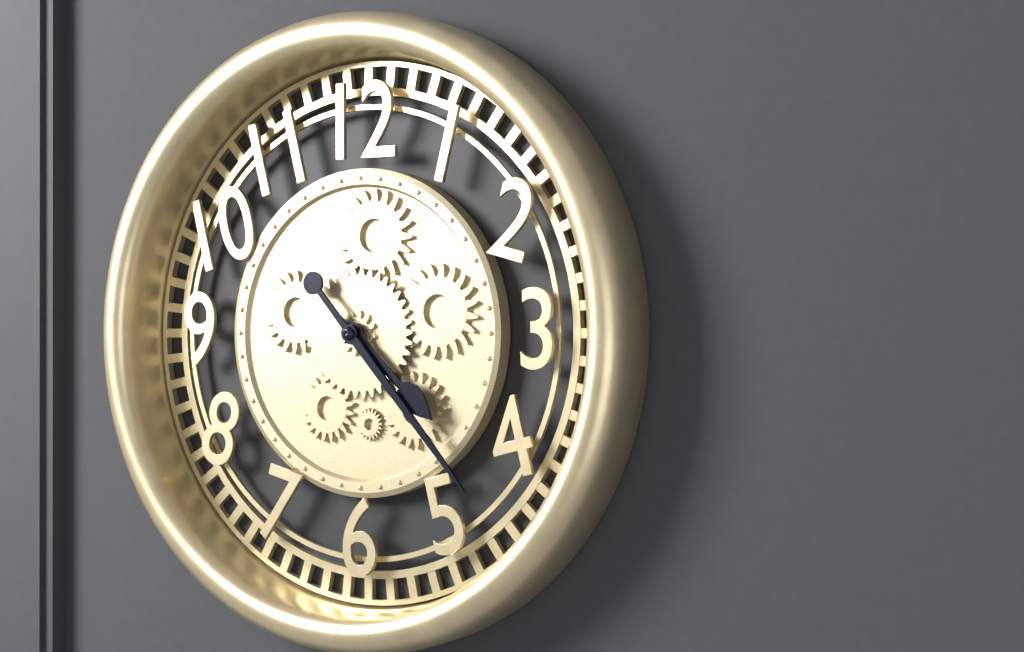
4:23
